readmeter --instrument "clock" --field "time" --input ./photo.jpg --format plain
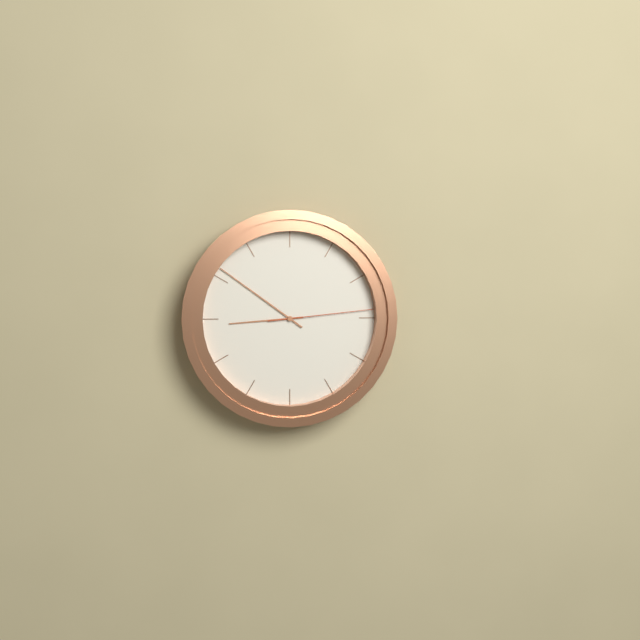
8:51:14
